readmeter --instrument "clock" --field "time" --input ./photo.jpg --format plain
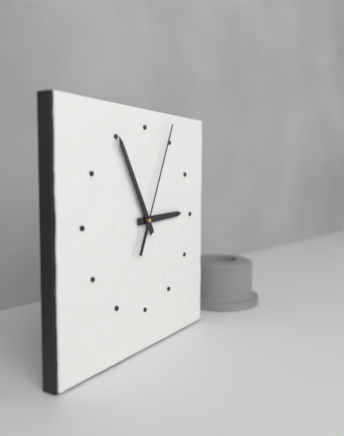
2:55:04
